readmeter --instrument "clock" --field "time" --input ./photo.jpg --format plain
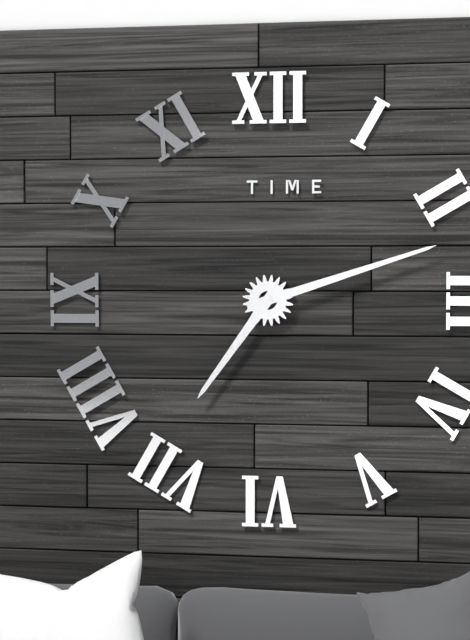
7:12
